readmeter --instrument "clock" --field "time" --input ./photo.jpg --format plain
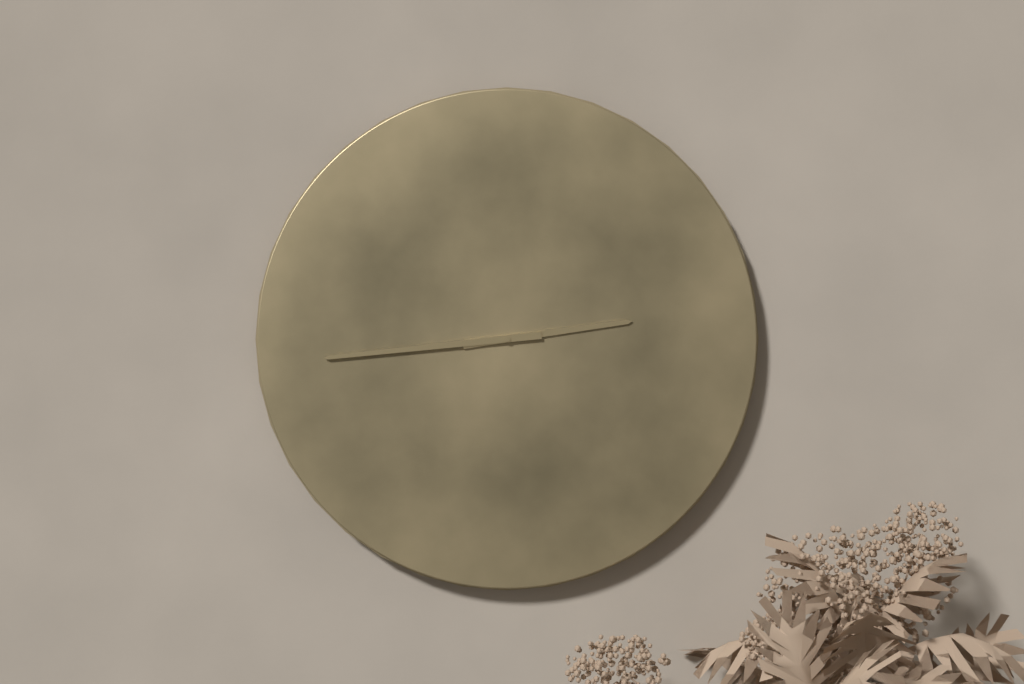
2:44
